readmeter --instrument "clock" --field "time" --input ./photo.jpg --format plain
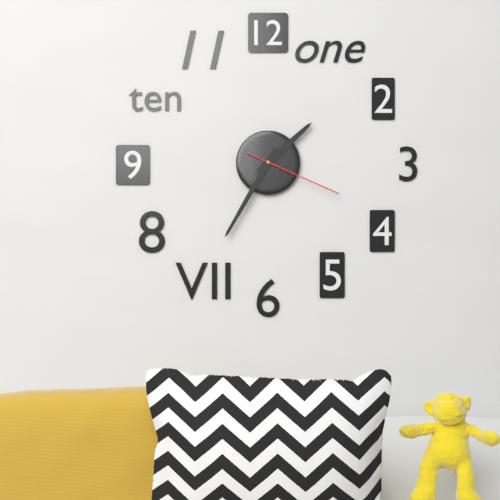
1:35:19
